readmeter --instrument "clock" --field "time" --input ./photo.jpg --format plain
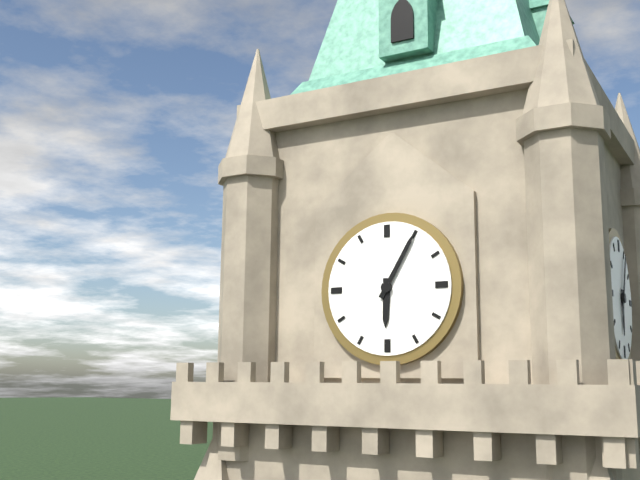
6:05
